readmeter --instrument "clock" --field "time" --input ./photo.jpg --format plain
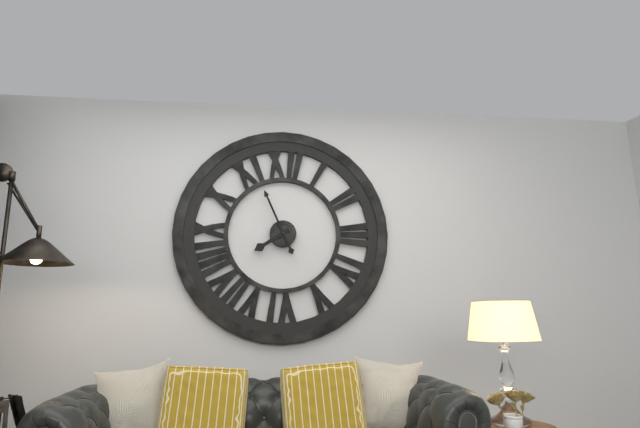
7:56
